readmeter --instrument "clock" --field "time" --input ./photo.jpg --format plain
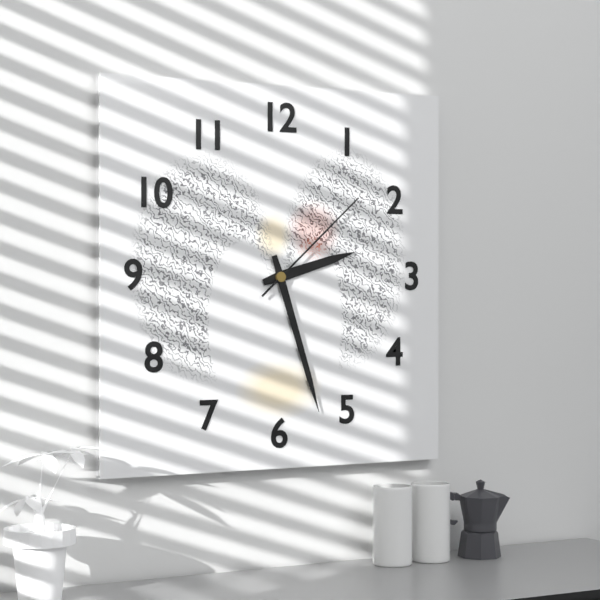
2:27:08
